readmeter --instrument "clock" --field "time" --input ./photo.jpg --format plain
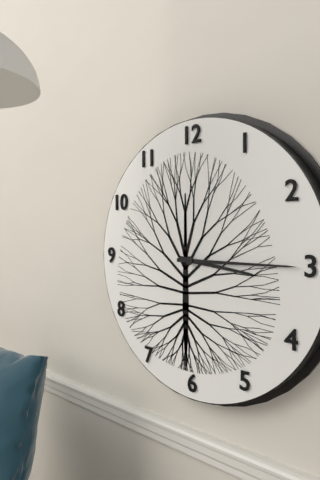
3:15
